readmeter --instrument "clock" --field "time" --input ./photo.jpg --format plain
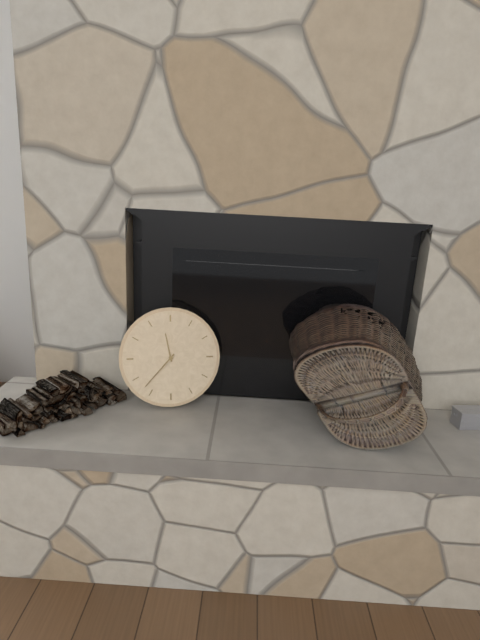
11:37
